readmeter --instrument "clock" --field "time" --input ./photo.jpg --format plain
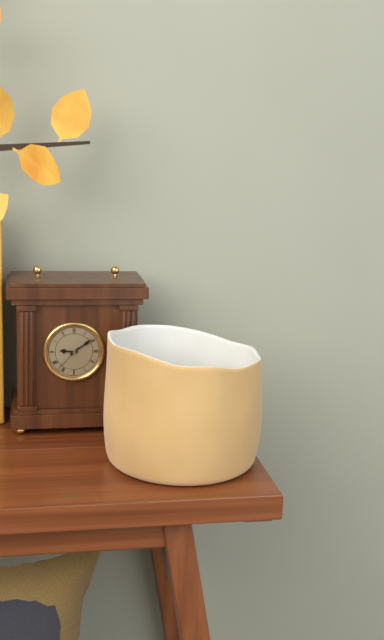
9:09
